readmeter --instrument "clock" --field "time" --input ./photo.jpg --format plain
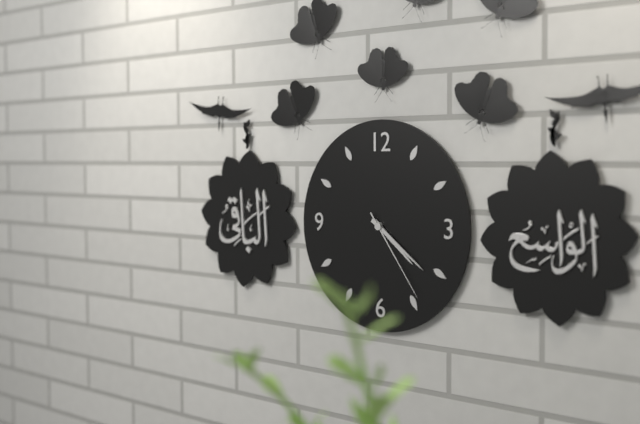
4:21:24
